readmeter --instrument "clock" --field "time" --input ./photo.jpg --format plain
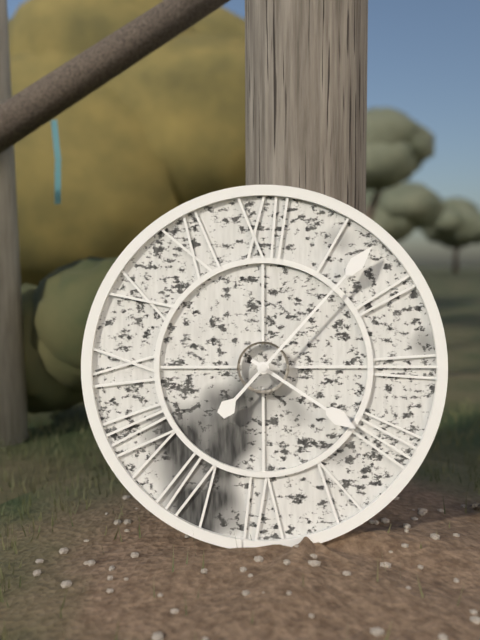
4:07
